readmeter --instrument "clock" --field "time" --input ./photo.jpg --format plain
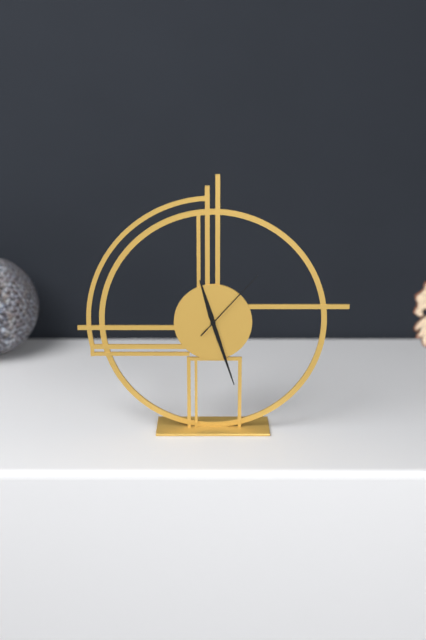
11:27:07
